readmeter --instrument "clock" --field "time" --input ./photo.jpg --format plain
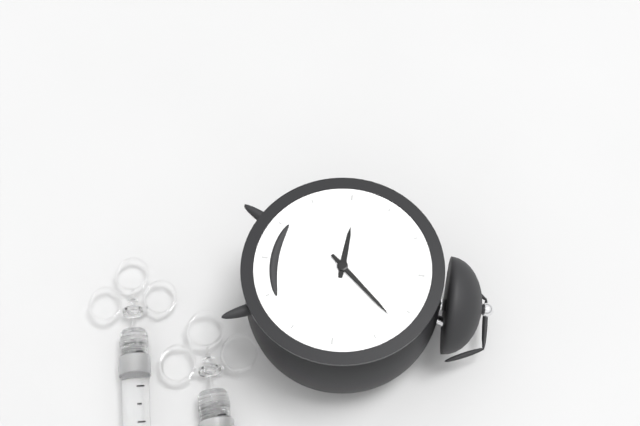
9:07
